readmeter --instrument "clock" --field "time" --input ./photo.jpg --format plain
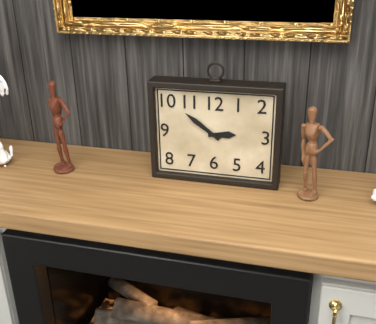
2:51
